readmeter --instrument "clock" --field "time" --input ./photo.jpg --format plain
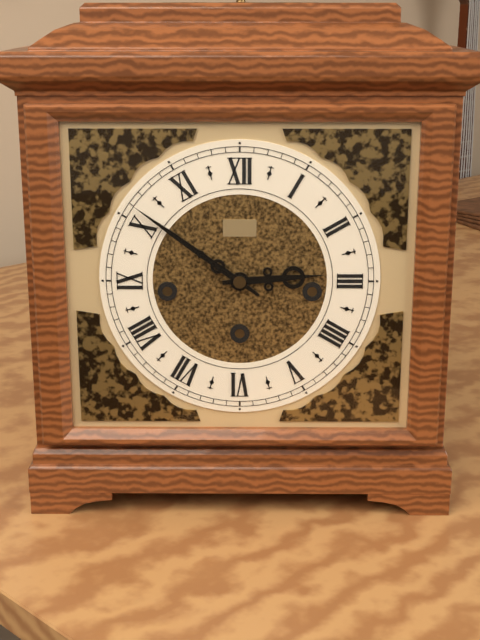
2:51
